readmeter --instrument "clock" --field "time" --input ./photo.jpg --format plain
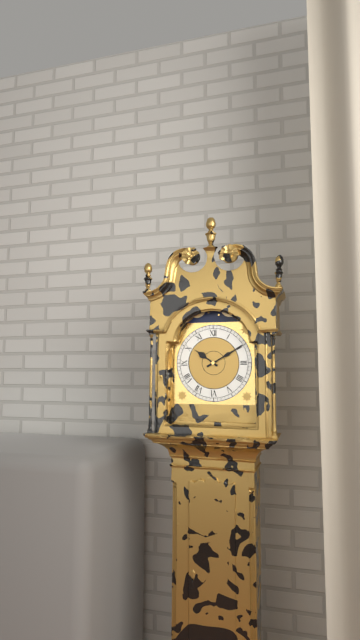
10:10
